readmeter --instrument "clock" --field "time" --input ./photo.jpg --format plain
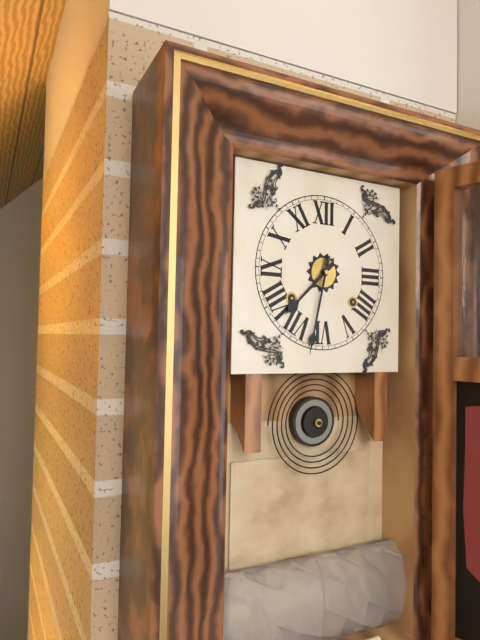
7:32
